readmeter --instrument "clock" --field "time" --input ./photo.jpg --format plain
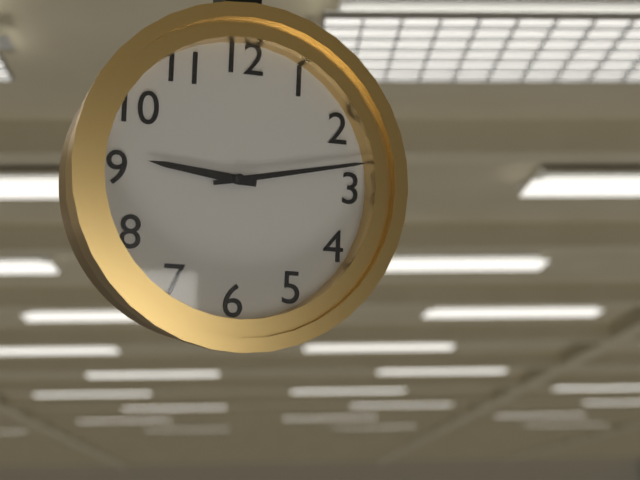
9:13
